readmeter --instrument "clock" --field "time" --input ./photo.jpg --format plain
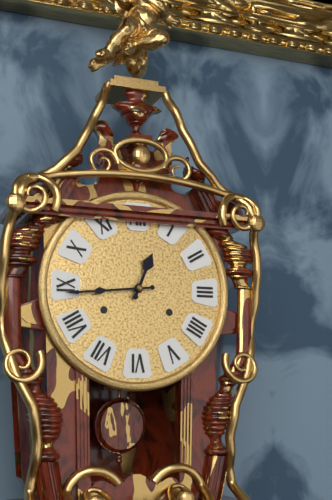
12:44
